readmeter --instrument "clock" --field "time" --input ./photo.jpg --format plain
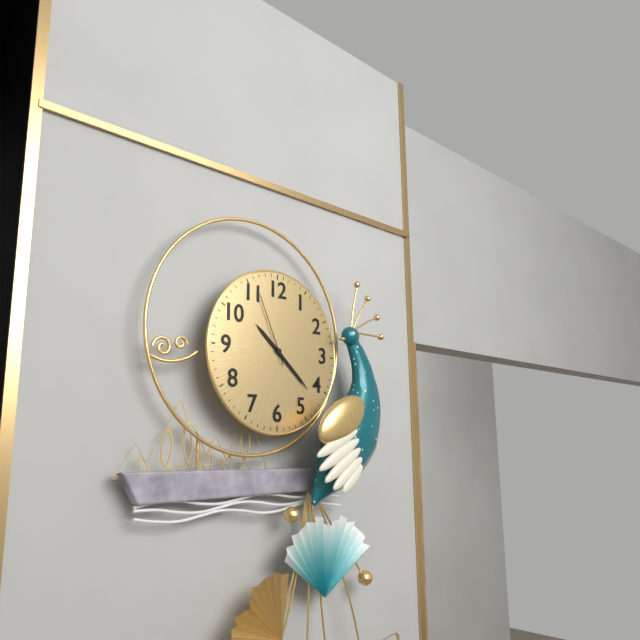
10:22:56
